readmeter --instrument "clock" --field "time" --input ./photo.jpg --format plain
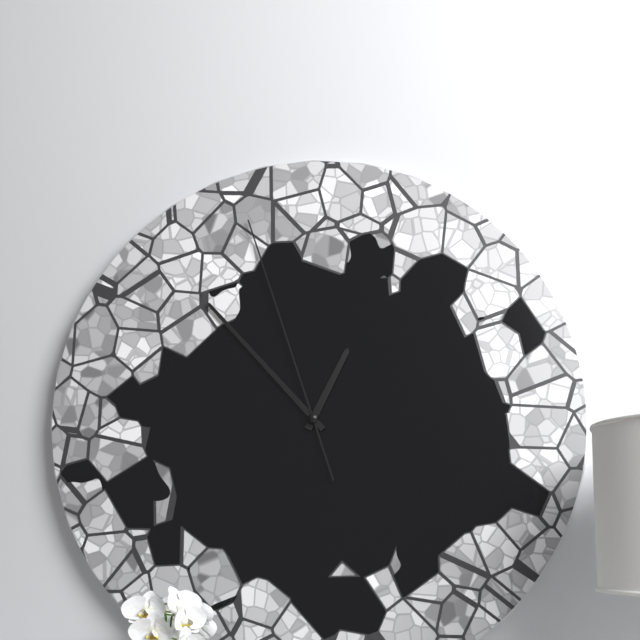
12:53:57
